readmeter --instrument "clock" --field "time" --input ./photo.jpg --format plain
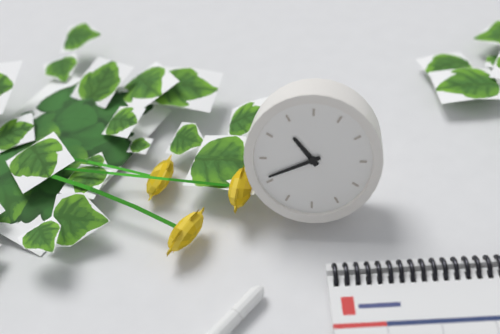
10:41
